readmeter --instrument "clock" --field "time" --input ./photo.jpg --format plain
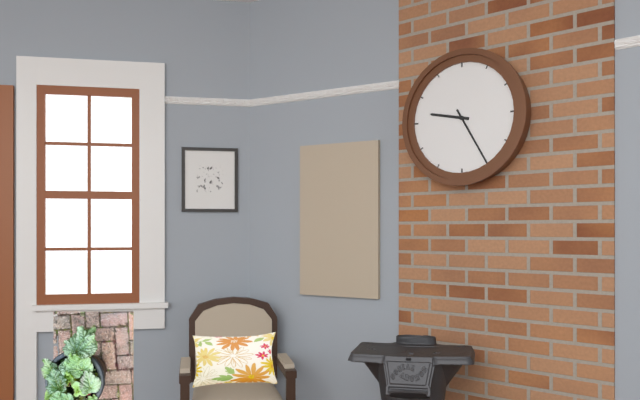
9:25
